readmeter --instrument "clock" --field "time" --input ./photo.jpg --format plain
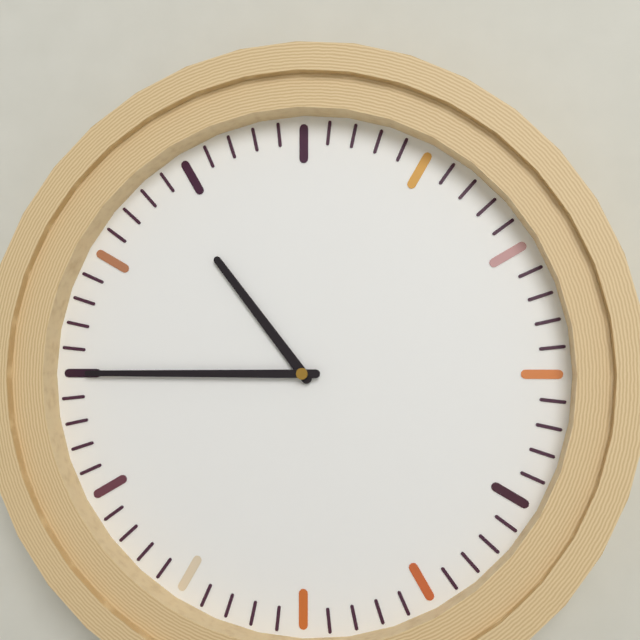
10:45
